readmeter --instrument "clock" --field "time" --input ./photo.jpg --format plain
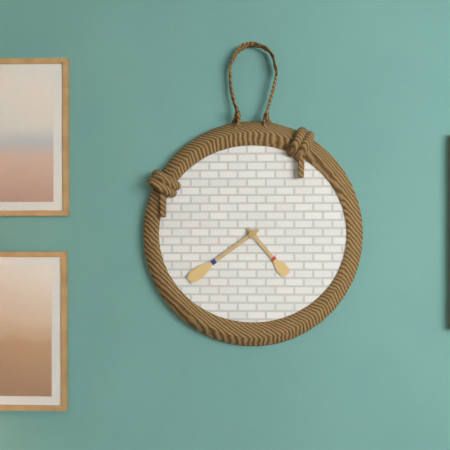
4:39
